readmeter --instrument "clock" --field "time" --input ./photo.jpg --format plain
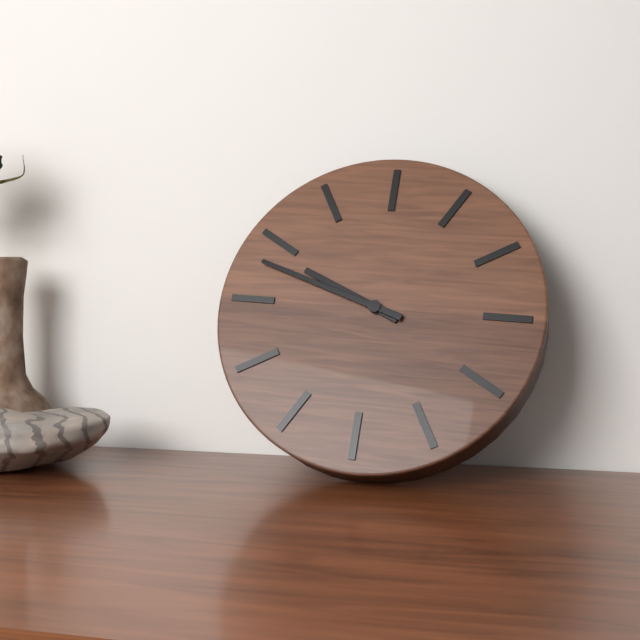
9:48
